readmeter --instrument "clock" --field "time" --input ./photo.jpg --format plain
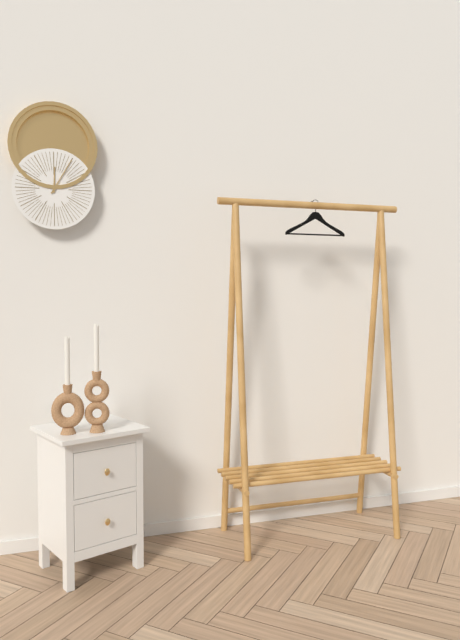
12:05
